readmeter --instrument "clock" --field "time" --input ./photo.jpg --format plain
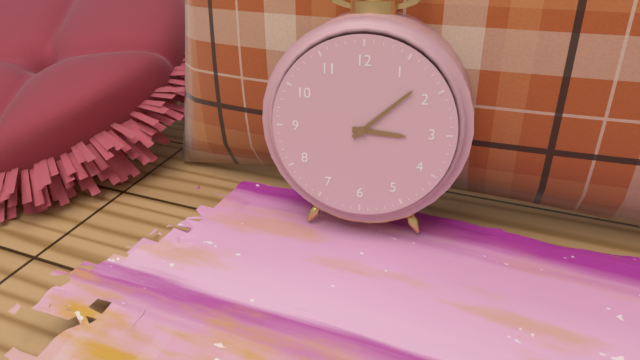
3:08
